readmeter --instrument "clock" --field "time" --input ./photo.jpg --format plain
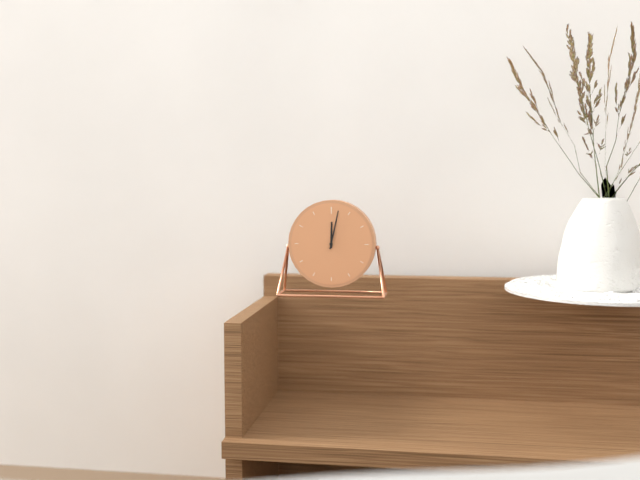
12:02
